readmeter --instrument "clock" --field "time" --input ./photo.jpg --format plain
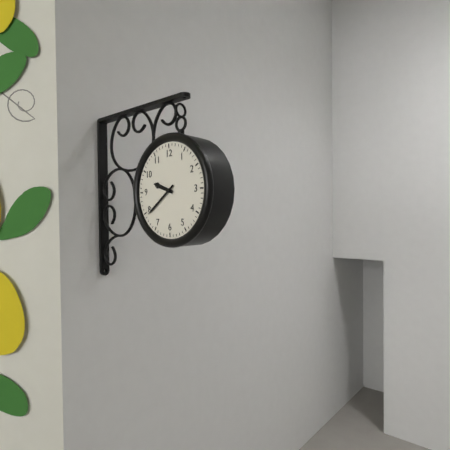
9:39
